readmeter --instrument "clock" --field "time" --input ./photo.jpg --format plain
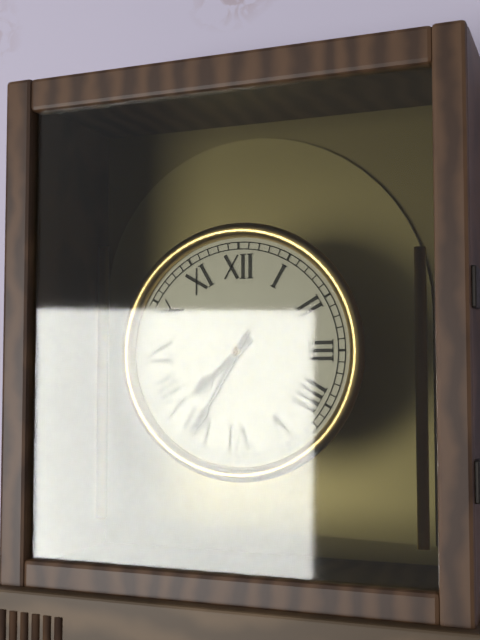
7:35
